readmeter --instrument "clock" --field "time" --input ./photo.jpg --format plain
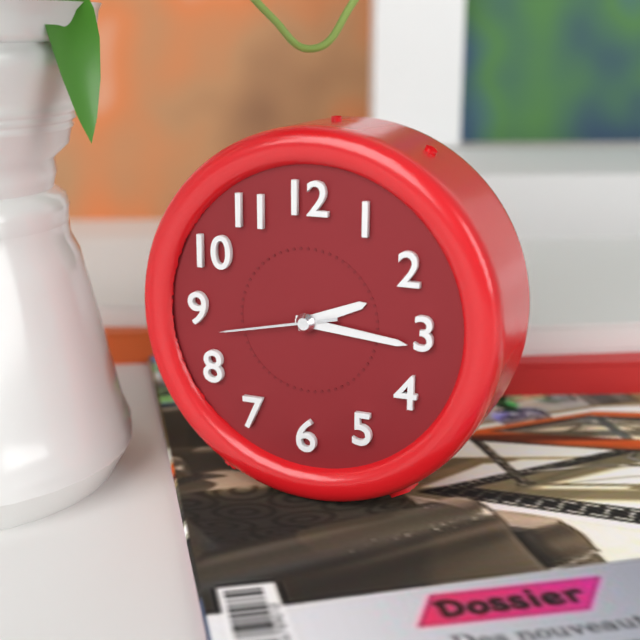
2:16:43
